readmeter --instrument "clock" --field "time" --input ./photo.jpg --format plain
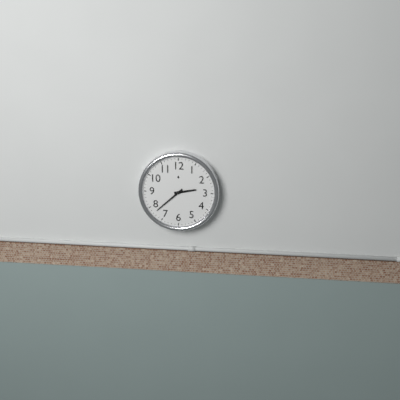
2:38
